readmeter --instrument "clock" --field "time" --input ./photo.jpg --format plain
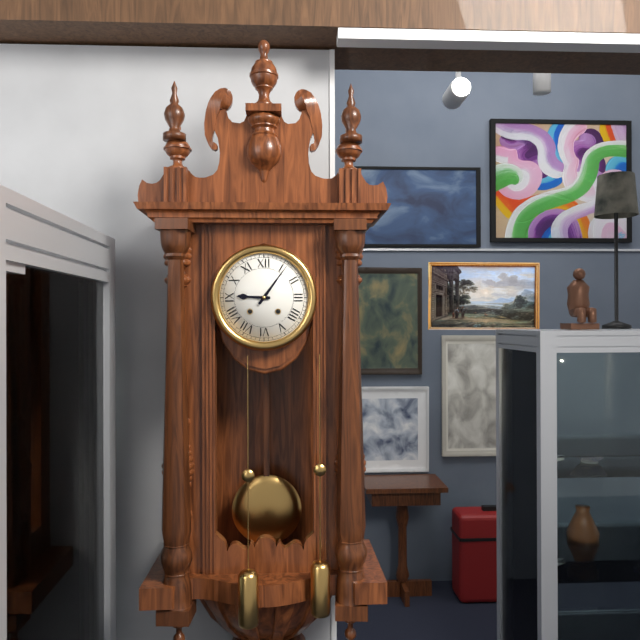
9:06
